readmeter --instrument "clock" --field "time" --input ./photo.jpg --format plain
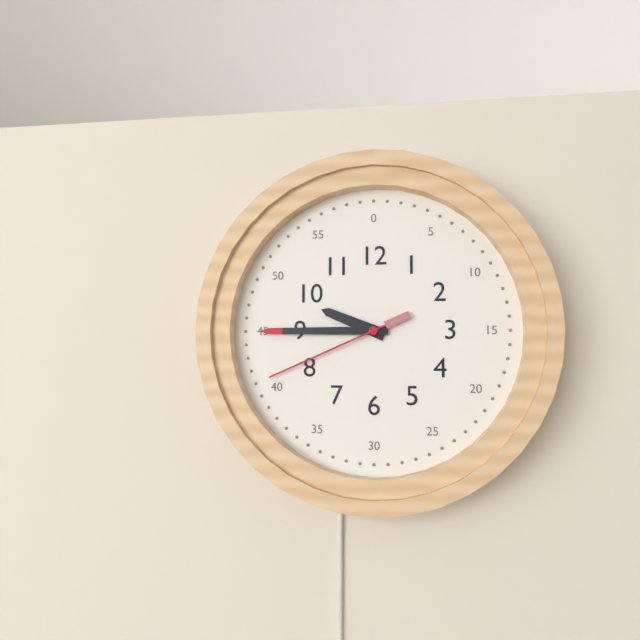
9:45:41
